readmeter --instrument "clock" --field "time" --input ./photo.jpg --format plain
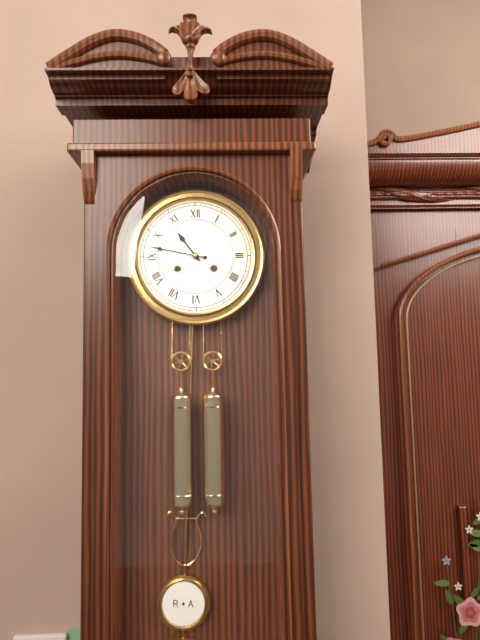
10:47
